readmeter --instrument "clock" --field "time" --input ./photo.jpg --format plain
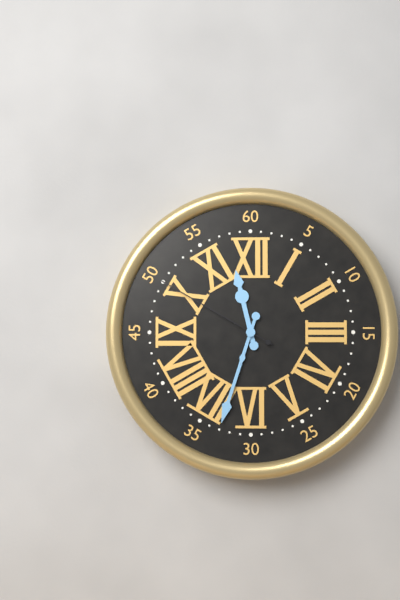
11:33:50
